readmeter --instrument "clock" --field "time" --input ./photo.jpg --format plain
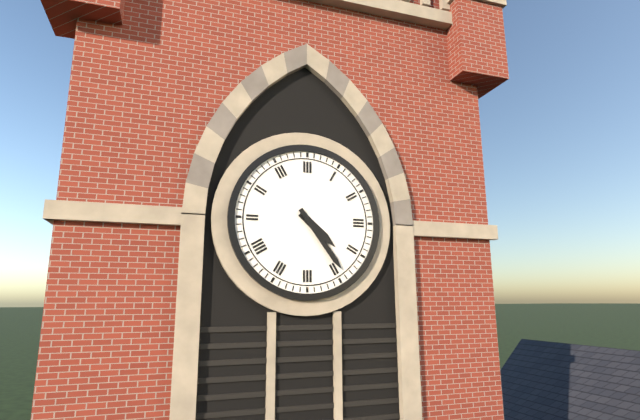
4:24
